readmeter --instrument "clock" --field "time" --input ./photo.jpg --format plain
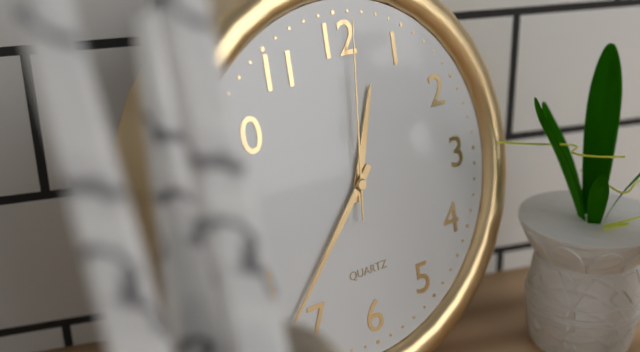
12:37:01
